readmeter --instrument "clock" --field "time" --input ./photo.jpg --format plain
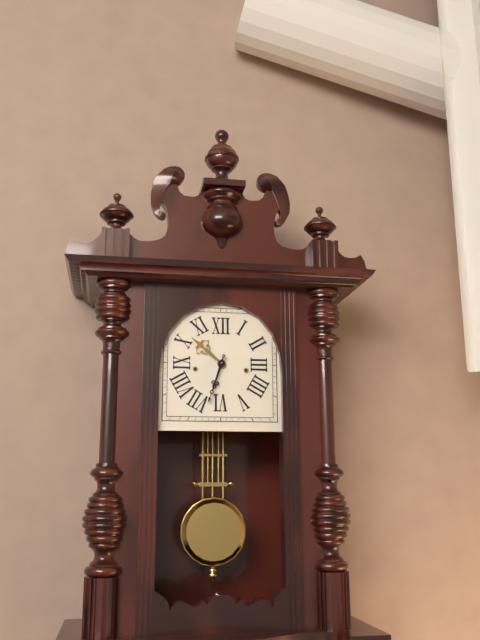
6:33
